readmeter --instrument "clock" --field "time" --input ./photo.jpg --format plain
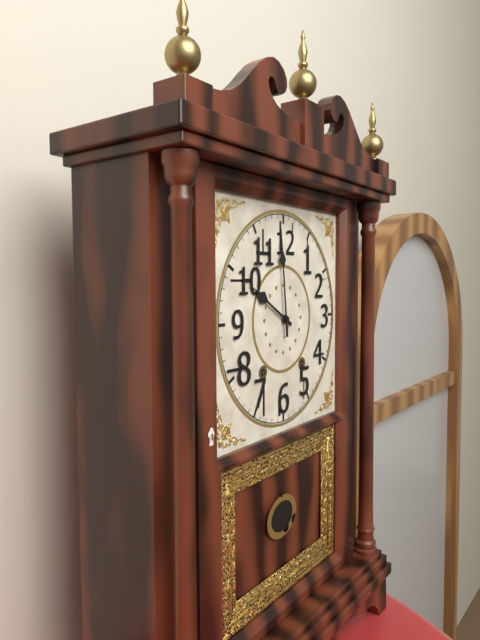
9:59
